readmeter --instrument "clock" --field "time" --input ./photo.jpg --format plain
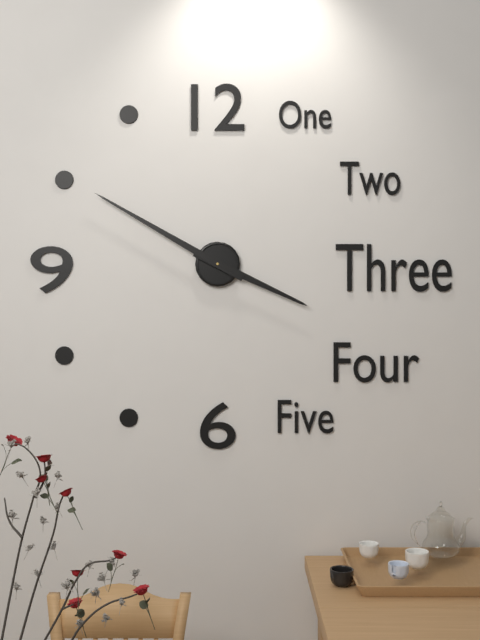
3:50
